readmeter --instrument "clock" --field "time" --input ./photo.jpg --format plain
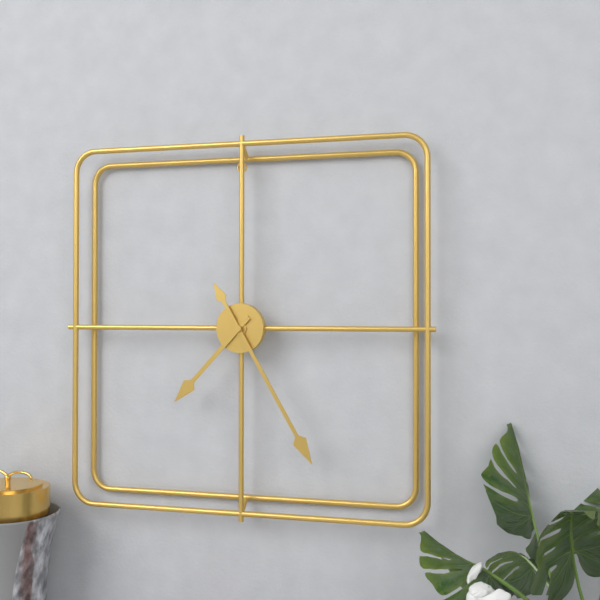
7:25
